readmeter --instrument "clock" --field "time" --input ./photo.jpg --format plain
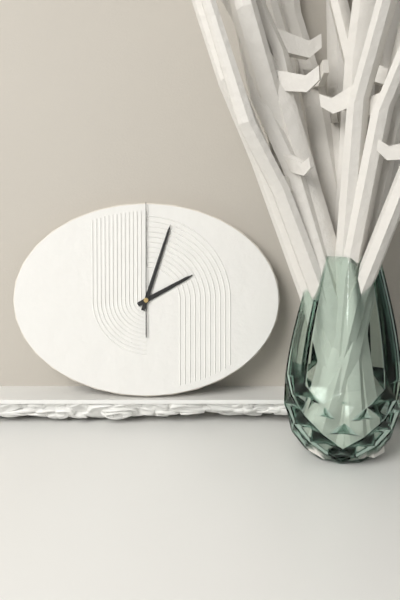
2:03:00
